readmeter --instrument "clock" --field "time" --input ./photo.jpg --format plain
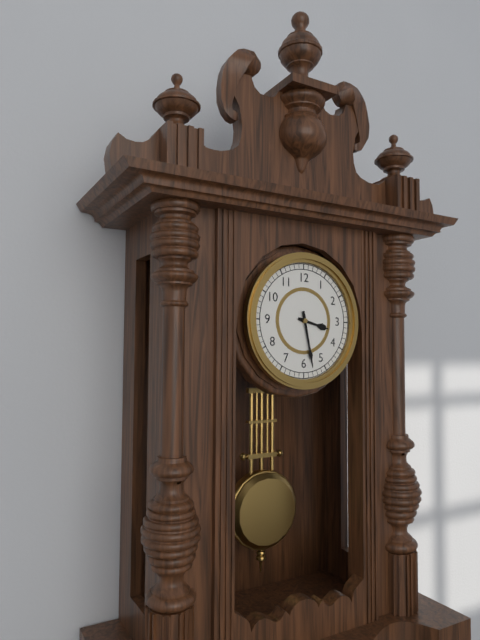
3:28
